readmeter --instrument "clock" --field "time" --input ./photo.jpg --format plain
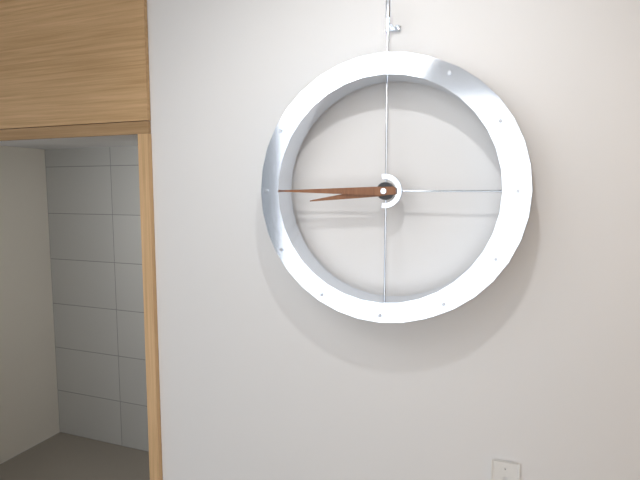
8:45
